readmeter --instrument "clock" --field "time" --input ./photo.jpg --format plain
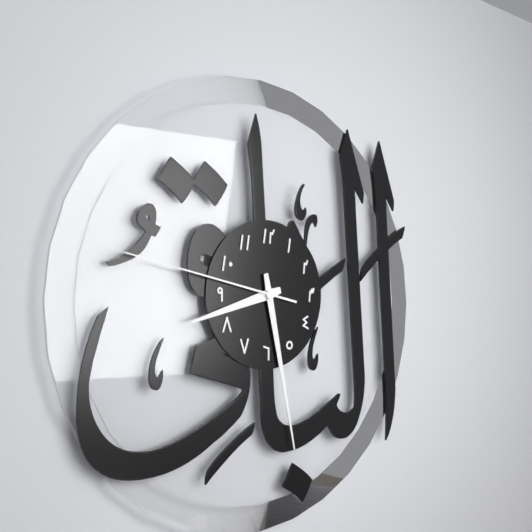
8:28:47
